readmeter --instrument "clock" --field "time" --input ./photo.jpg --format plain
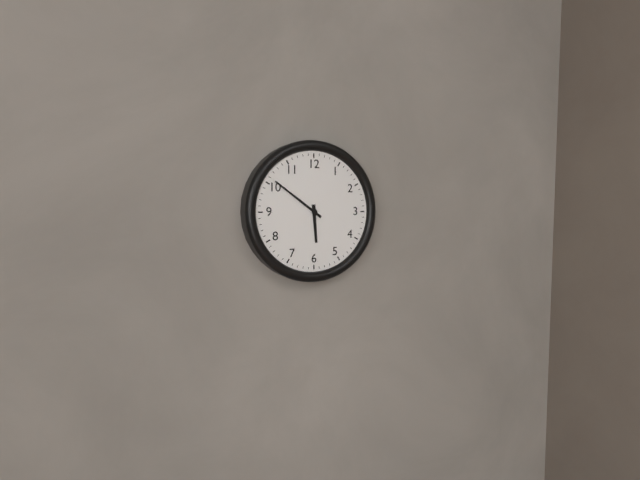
5:51
